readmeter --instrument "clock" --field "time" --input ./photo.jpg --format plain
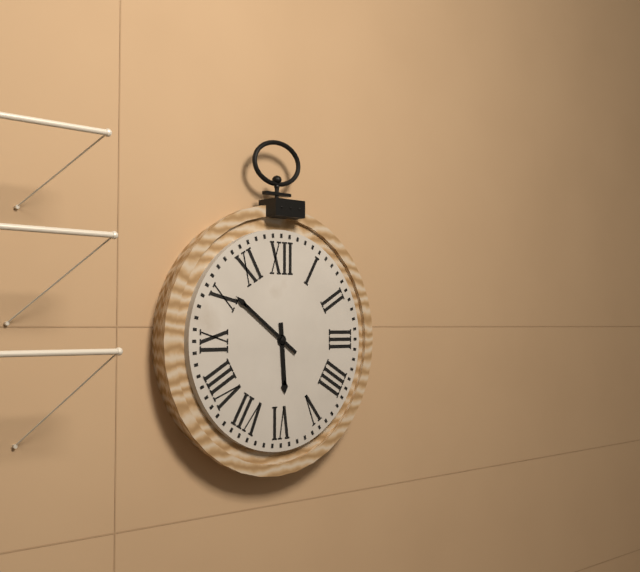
5:51
